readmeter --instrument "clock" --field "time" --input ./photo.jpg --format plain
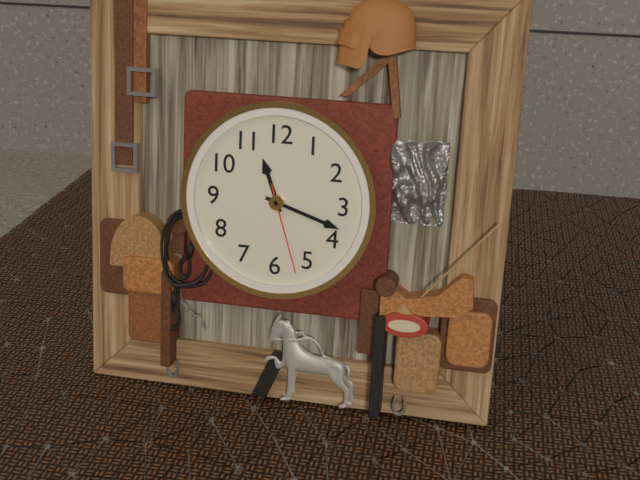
11:18:27
